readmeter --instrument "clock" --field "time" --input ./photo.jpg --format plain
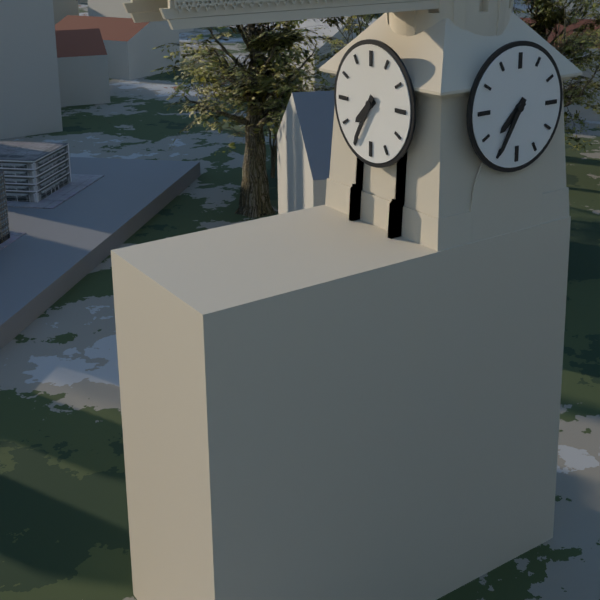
7:35
